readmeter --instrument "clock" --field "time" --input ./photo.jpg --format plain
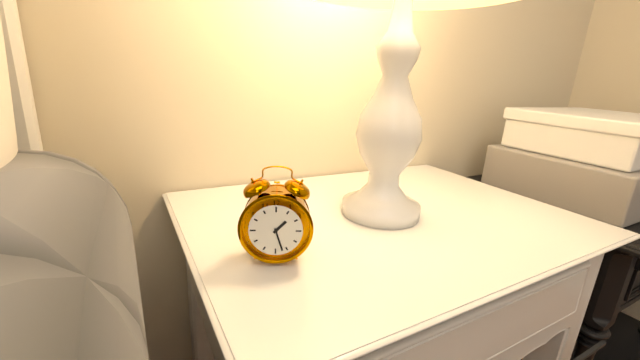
1:27
